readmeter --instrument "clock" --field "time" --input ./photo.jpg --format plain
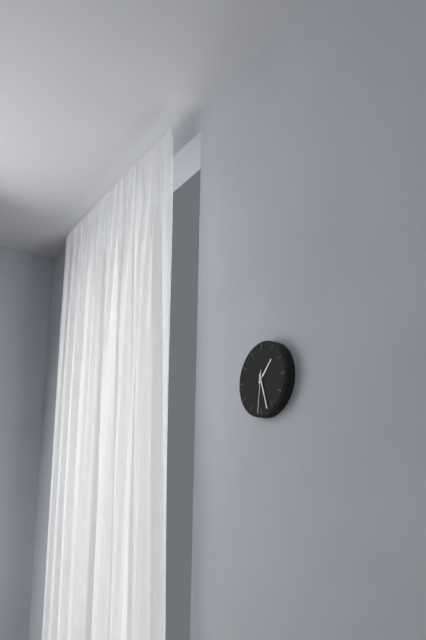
1:27
